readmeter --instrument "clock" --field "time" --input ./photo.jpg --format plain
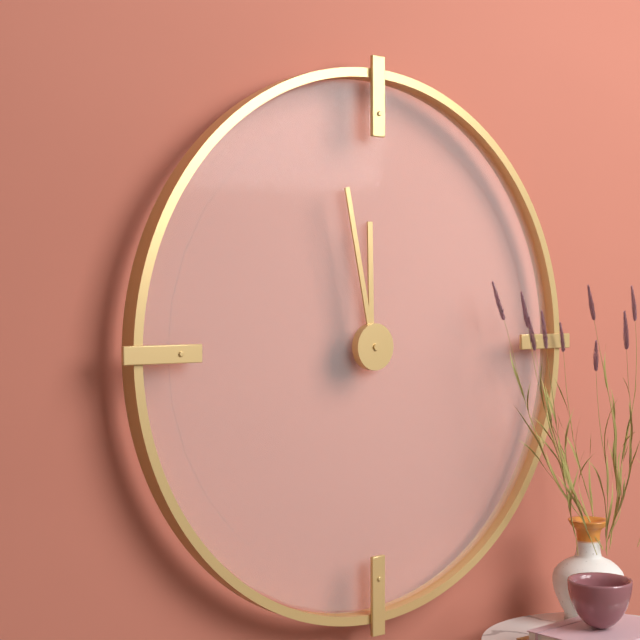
11:58
